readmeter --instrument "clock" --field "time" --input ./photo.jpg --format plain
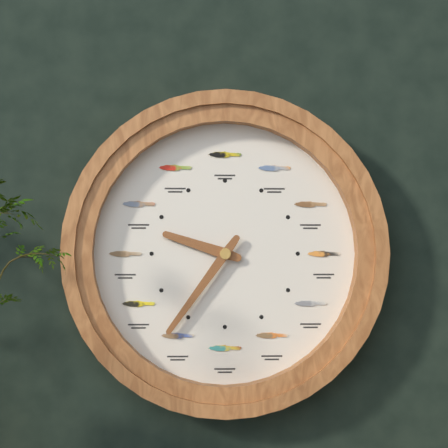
9:36
